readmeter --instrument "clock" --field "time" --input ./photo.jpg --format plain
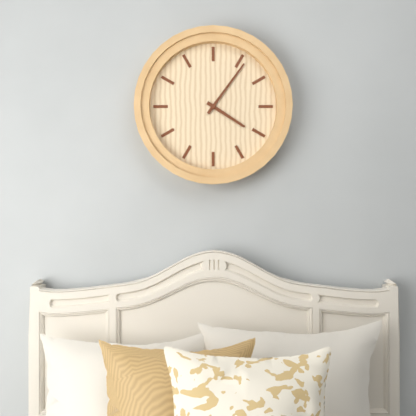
4:06
